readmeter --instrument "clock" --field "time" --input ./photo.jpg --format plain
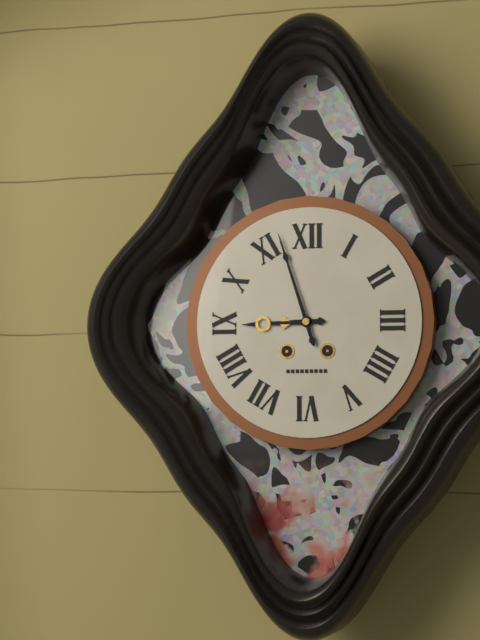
8:57
